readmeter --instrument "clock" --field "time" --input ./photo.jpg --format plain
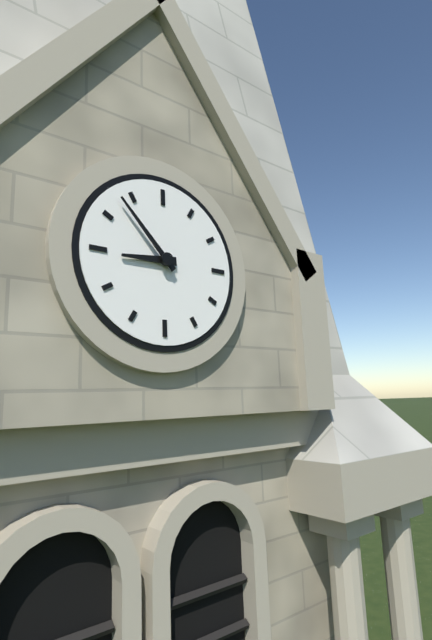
8:53
